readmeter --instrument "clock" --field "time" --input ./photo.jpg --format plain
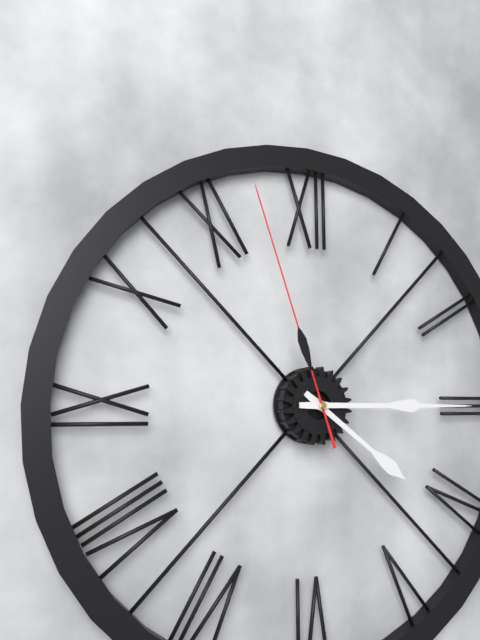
4:15:57
